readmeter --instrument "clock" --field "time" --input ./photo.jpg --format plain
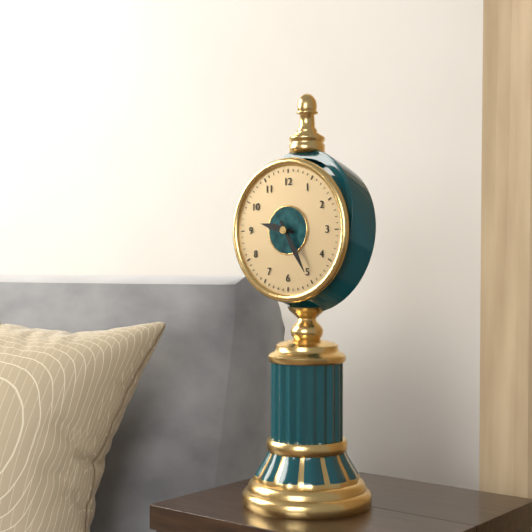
9:25
